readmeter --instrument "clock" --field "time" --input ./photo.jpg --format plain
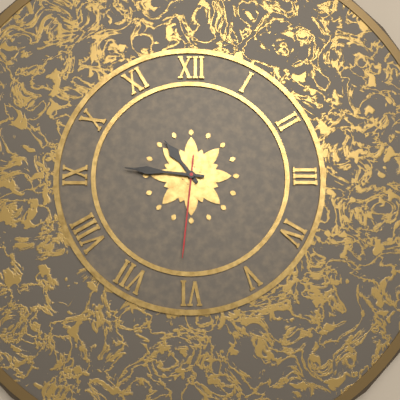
10:46:31
